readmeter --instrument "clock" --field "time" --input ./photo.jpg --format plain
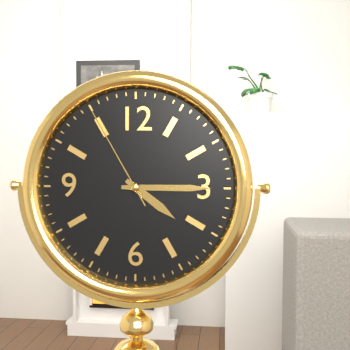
4:15:55
